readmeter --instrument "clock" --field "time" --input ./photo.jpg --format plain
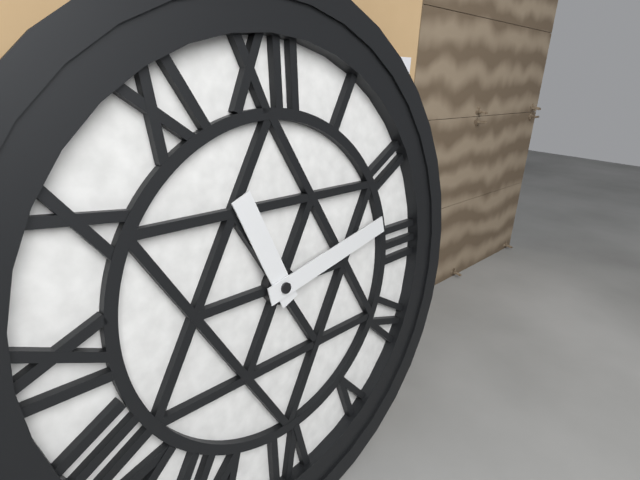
11:13
